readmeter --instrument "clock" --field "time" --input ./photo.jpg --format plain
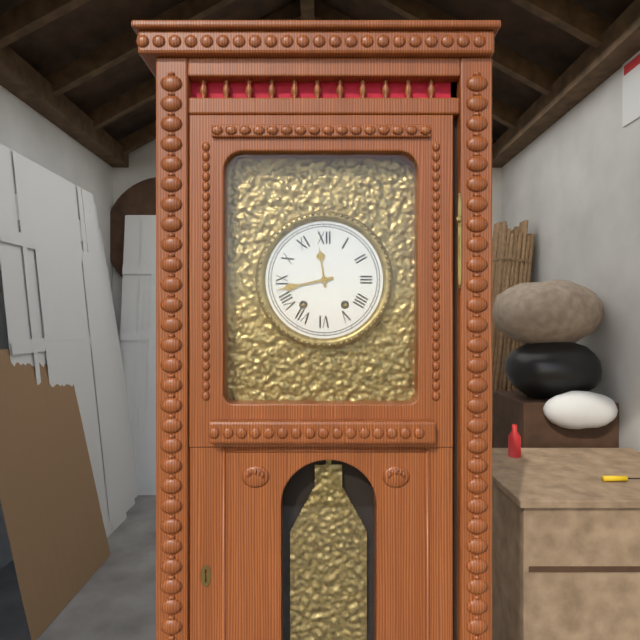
11:43
